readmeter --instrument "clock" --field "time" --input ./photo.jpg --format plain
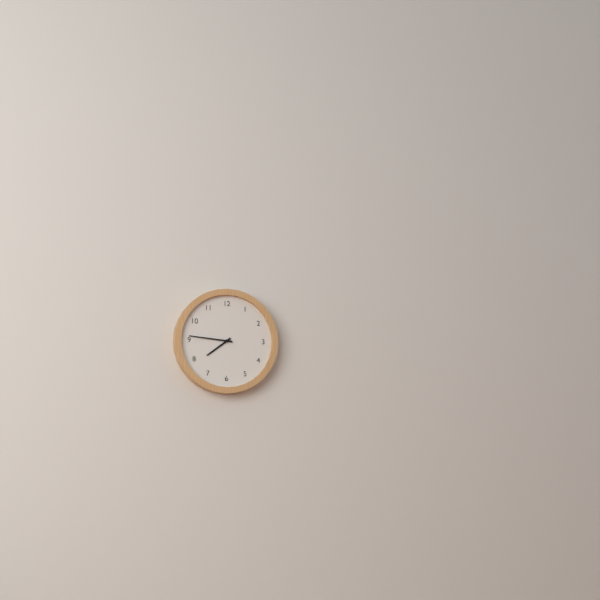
7:46
